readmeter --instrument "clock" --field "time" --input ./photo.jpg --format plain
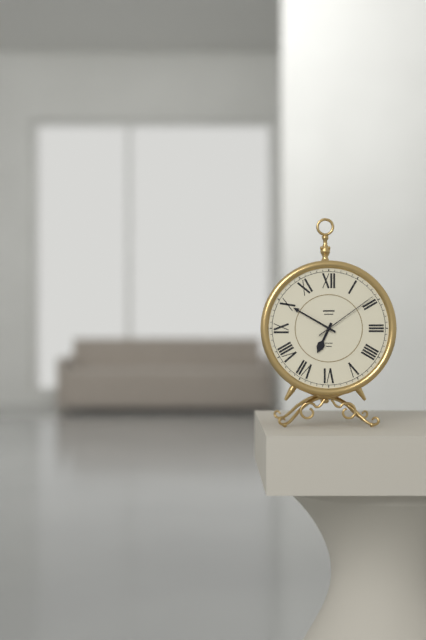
6:50:09
